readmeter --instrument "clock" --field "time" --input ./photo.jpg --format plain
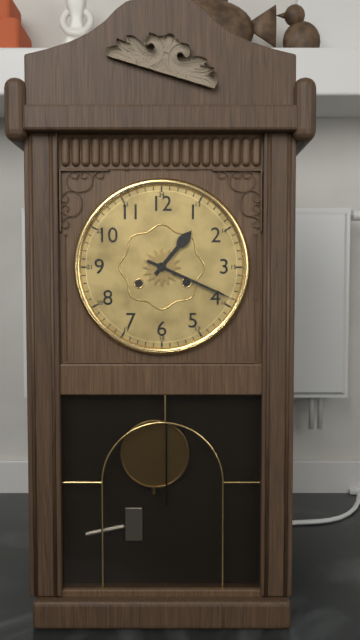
1:19
